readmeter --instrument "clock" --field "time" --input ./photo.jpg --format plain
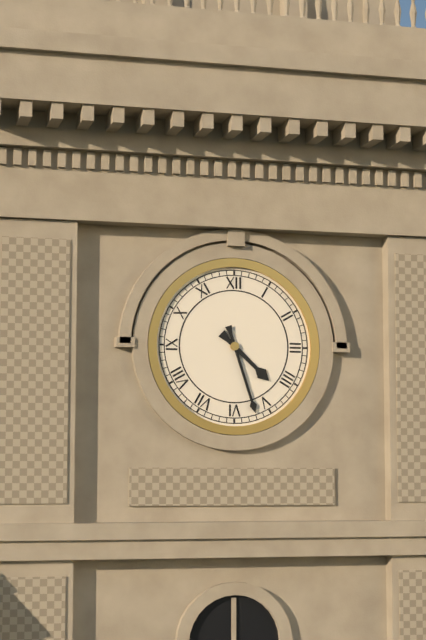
4:27
